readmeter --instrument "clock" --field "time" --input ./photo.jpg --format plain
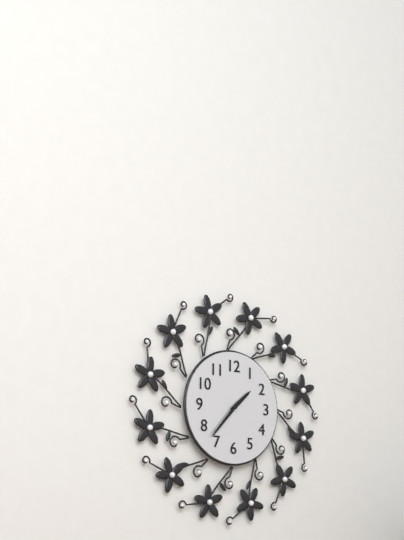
1:37
